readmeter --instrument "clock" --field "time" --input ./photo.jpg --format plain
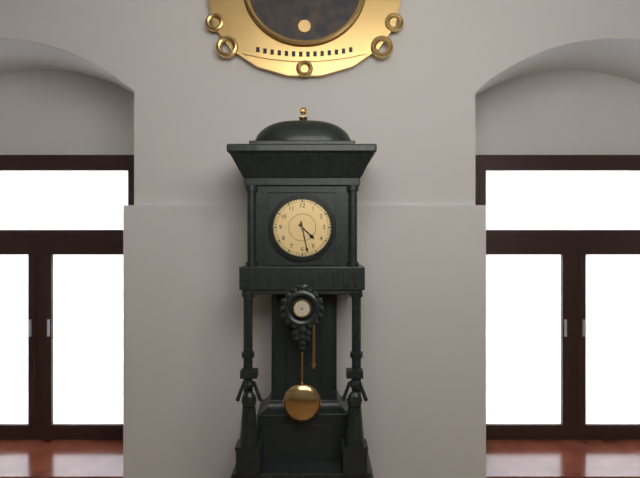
4:28
